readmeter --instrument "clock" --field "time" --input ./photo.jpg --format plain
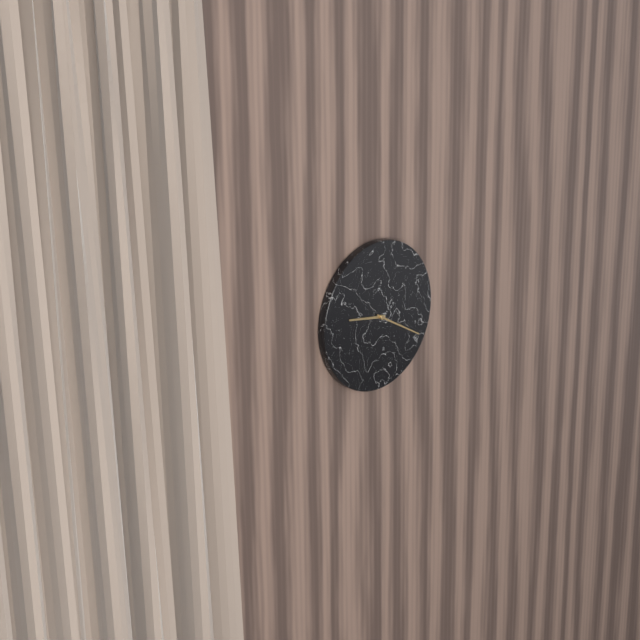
9:20
